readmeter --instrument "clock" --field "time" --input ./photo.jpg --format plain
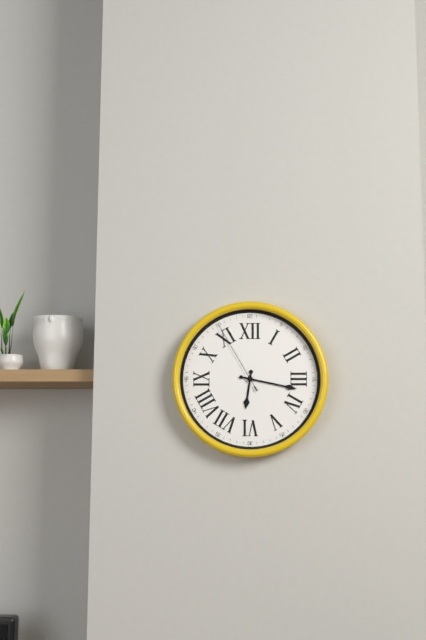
6:17:55
